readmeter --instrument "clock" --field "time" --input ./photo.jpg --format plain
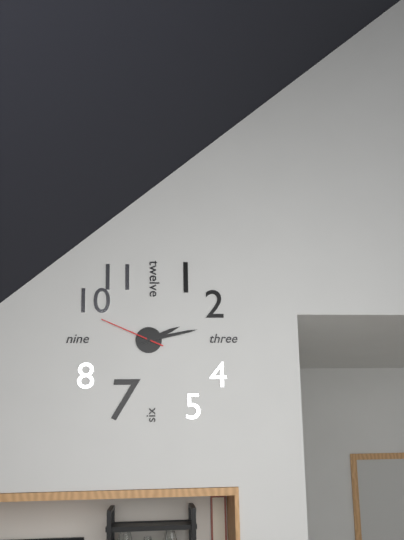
2:13:49
